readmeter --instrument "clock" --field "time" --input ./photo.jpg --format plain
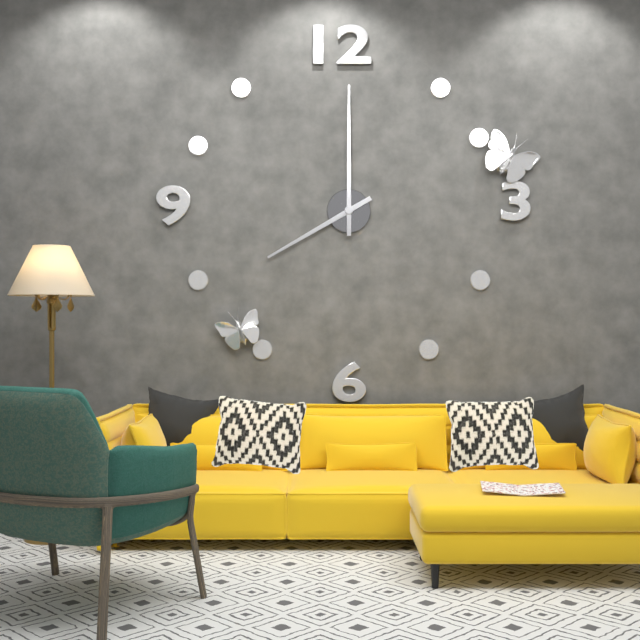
8:00
